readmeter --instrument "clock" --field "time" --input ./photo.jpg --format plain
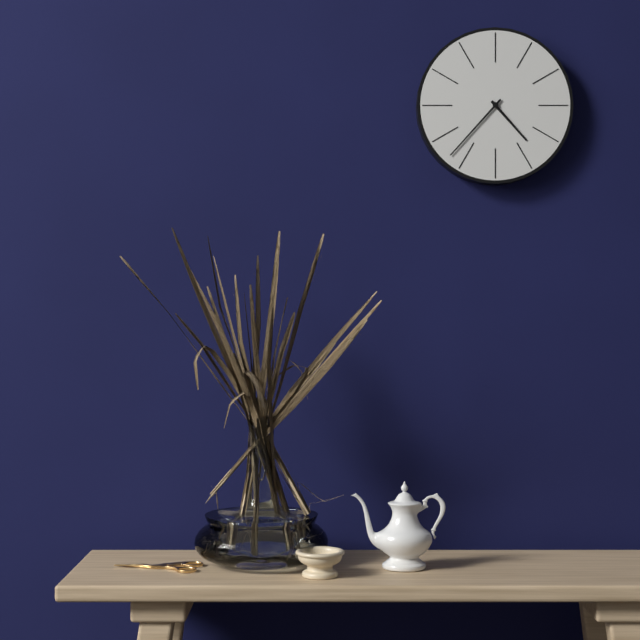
4:37
